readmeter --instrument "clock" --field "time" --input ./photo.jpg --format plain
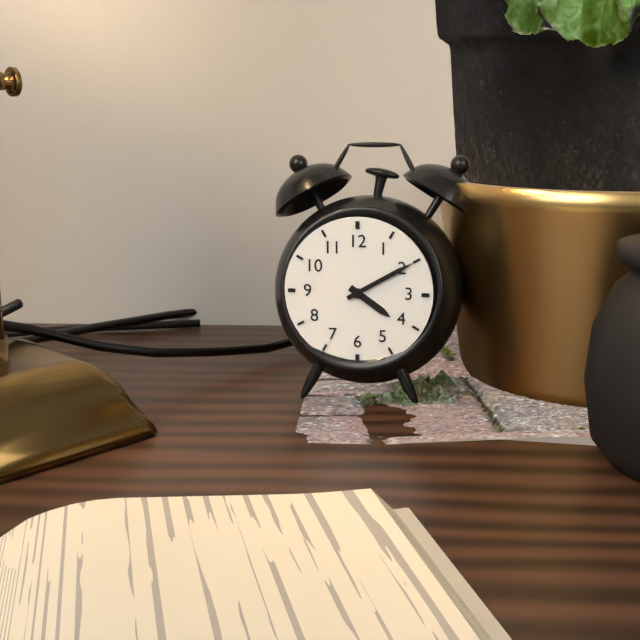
4:10
